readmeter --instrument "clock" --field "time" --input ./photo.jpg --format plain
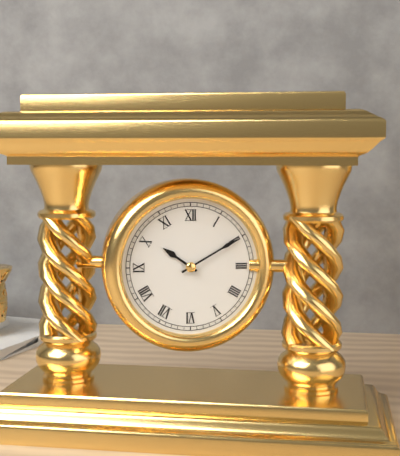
10:10
